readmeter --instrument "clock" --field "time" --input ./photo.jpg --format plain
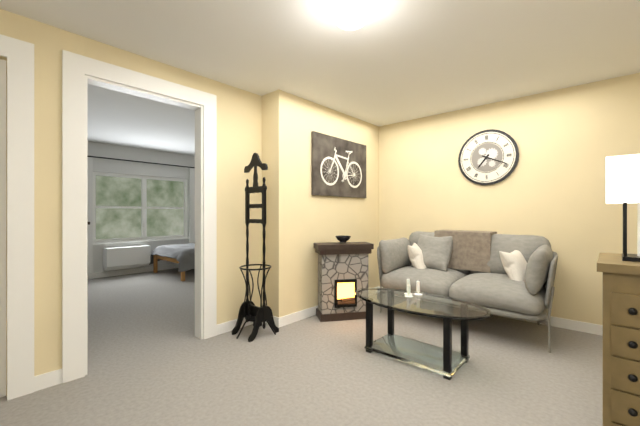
7:19
